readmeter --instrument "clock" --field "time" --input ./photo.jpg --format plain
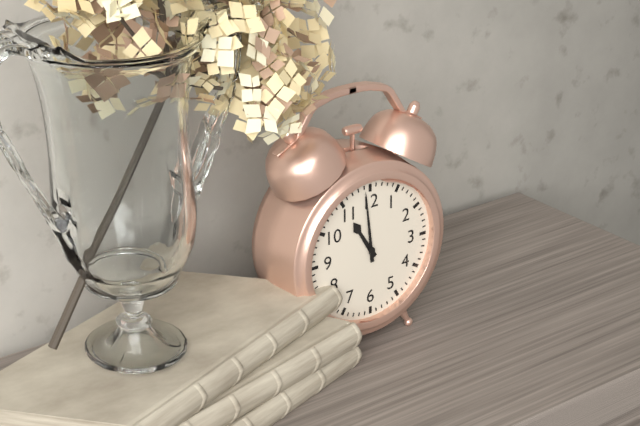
10:59
